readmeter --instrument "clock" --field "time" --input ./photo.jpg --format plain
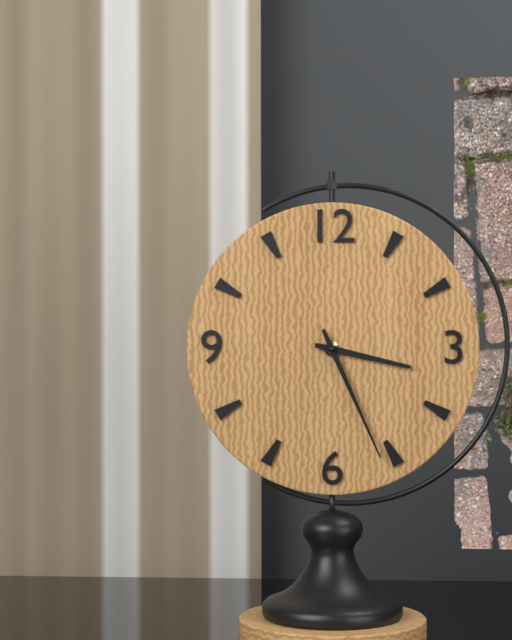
3:26
